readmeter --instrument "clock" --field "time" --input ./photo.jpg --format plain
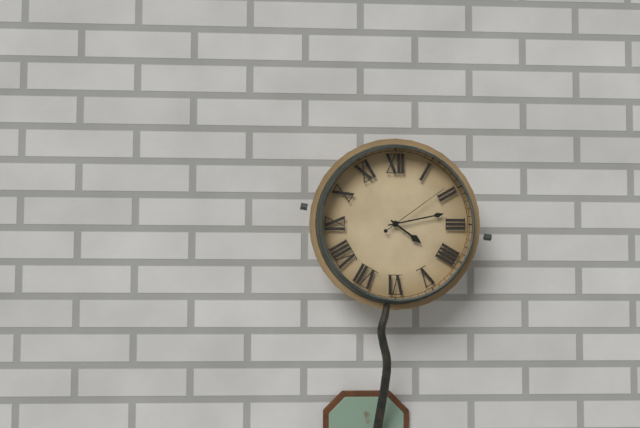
4:13:09
